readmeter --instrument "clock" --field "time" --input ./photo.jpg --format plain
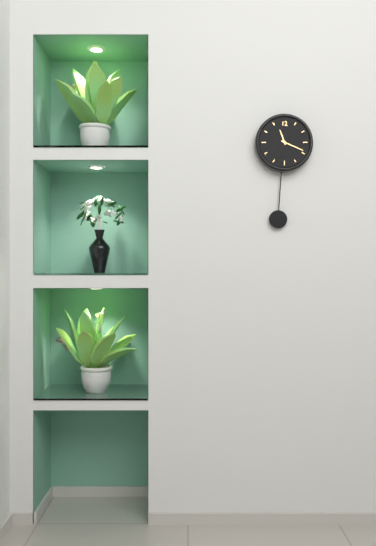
11:19
